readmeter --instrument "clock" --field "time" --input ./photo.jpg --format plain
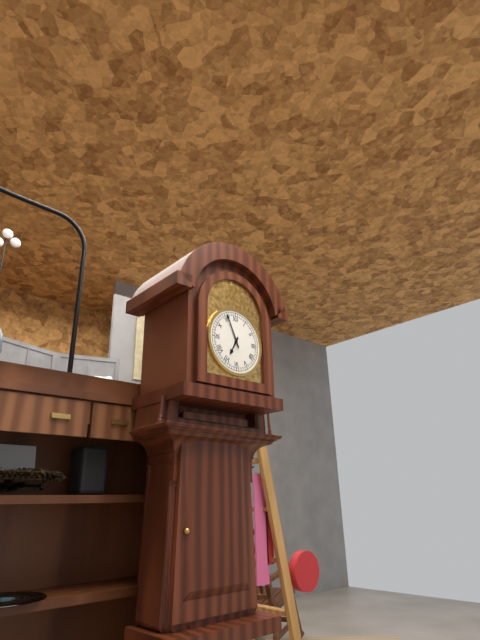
6:56
